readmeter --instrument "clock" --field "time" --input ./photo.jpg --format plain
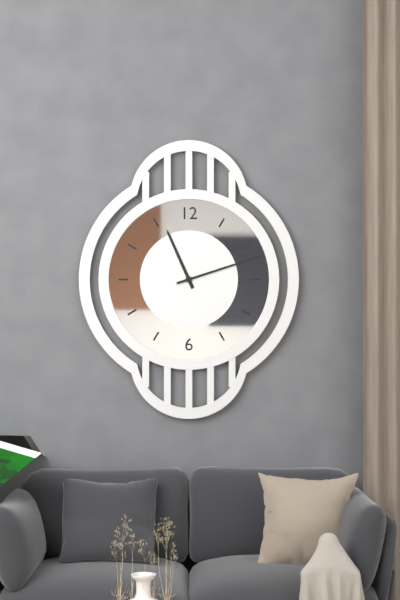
11:12
